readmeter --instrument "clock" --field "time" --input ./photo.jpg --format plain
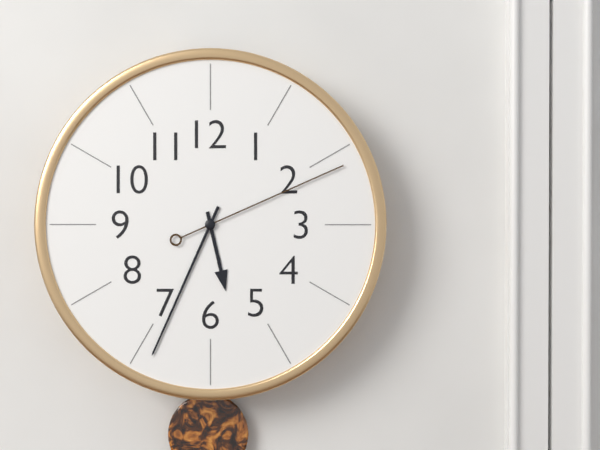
5:34:11
